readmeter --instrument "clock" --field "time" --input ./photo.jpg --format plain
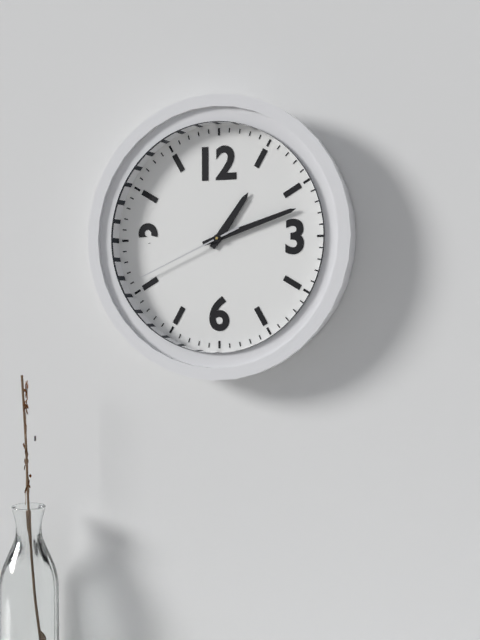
1:12:41
